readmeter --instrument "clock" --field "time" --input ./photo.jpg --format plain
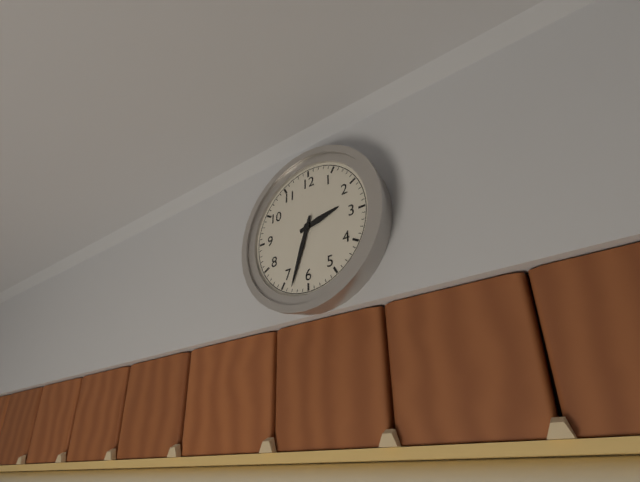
2:33
